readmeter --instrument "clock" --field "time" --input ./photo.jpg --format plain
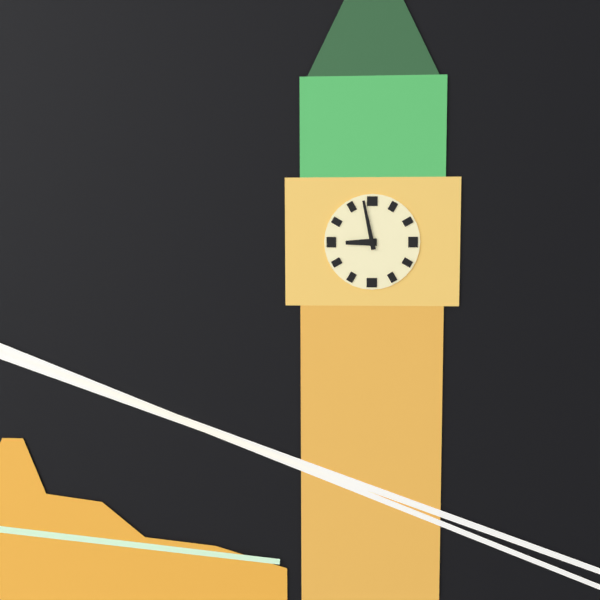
8:58
